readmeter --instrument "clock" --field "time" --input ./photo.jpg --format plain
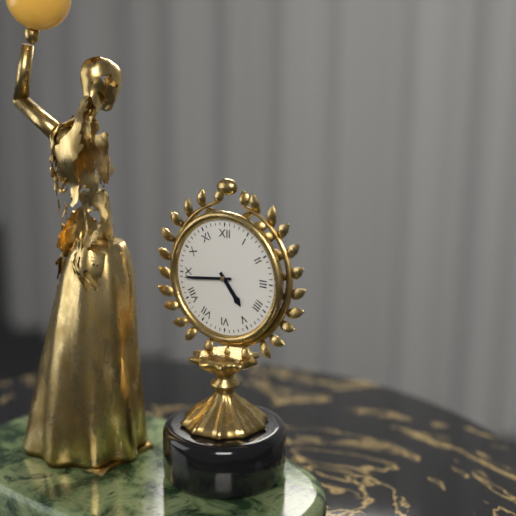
4:44
